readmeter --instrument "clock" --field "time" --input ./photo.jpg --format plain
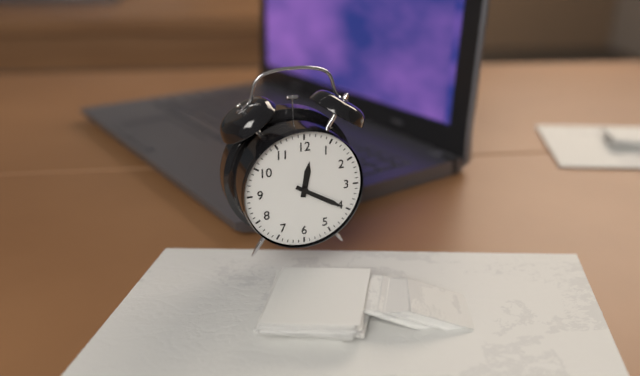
12:20
